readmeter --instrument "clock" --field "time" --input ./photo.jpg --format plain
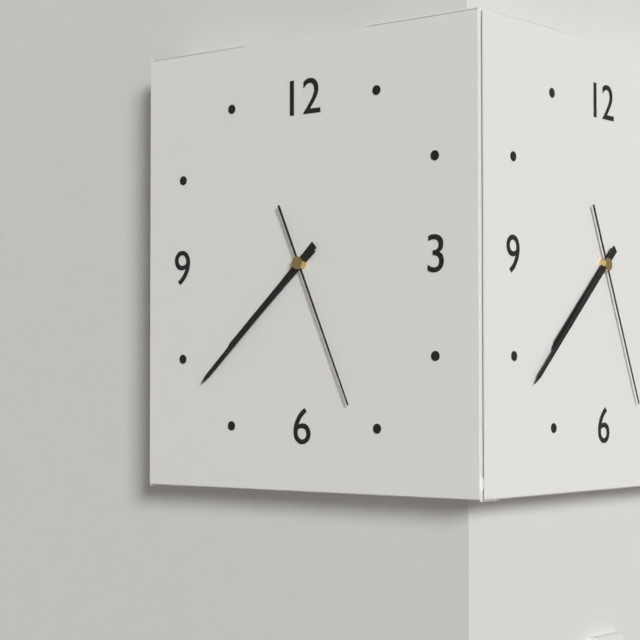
7:38:26
